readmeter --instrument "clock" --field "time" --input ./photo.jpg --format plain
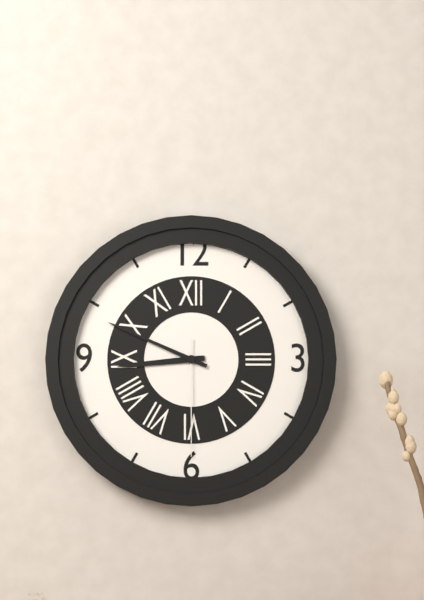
8:49:30
